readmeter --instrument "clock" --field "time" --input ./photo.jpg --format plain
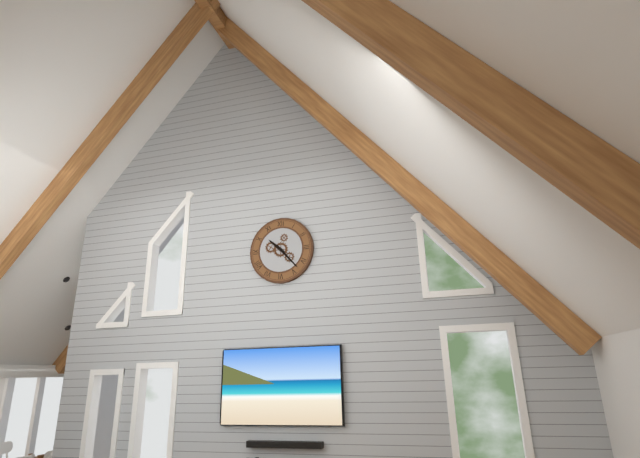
10:23
